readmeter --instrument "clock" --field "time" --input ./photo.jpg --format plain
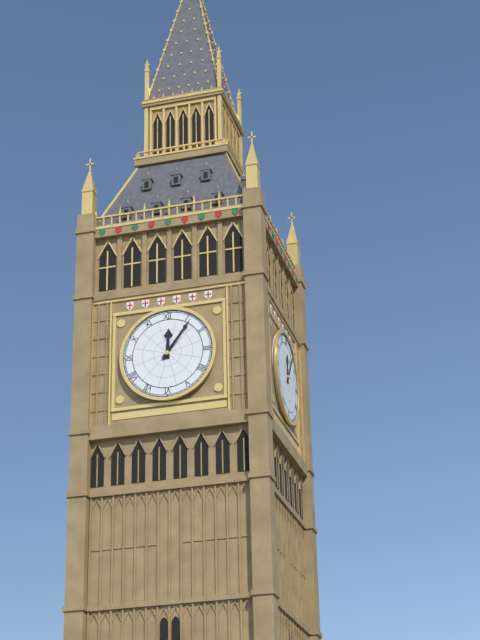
12:06
